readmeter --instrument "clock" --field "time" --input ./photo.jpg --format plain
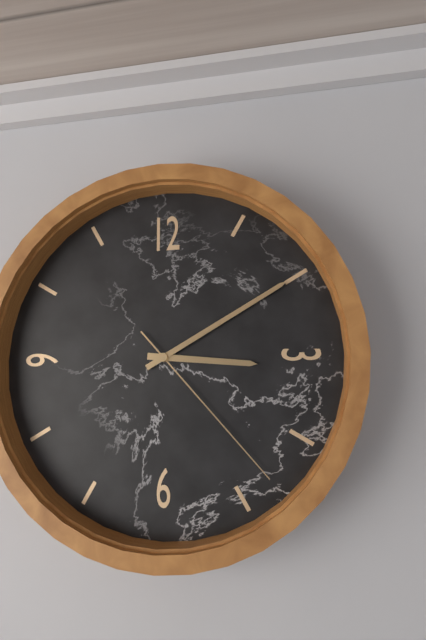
3:10:23
